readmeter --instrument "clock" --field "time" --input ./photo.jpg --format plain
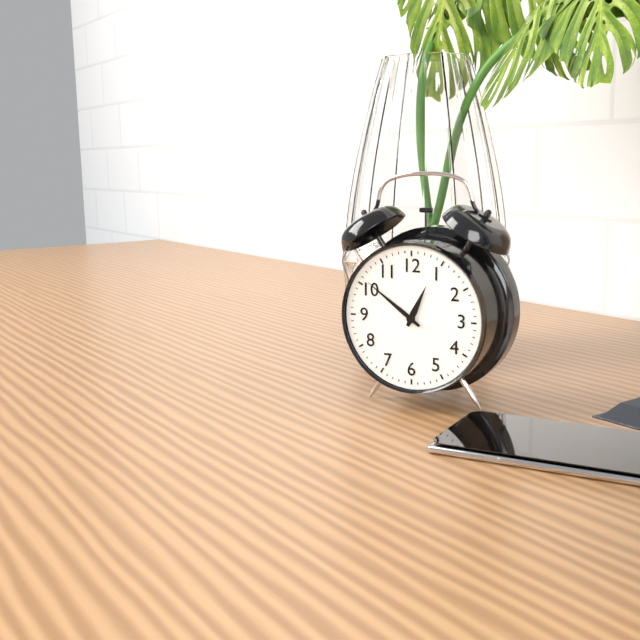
12:51
